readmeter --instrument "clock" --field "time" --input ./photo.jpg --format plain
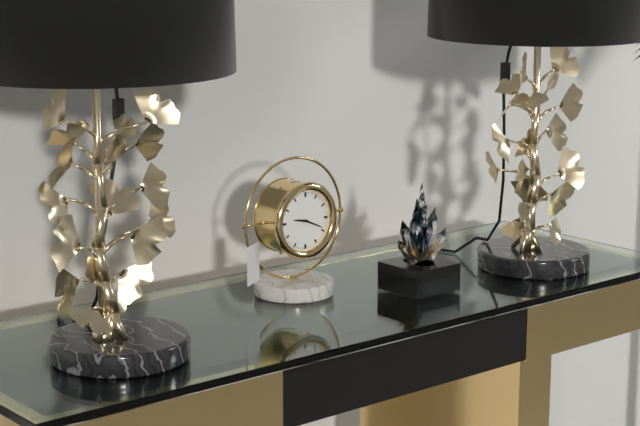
9:19
